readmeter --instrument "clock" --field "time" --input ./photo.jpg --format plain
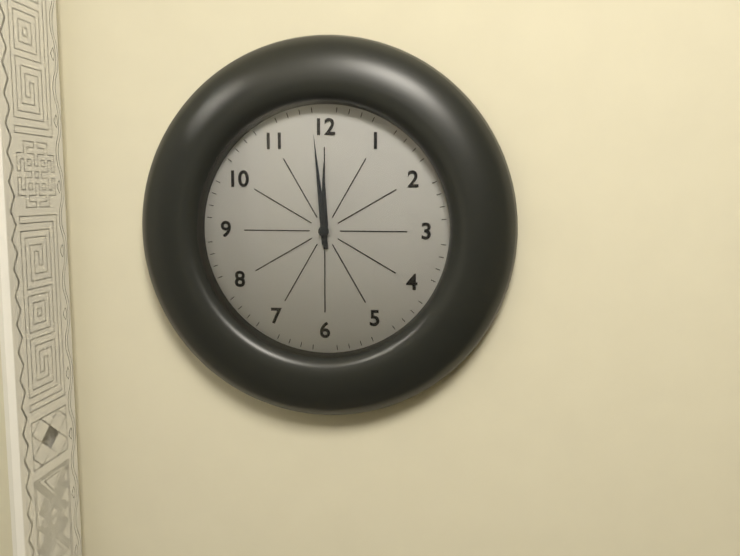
11:59
